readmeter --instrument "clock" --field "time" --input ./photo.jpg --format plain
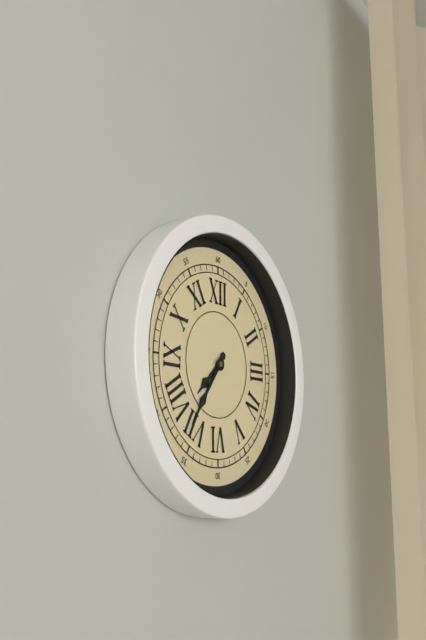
7:36
